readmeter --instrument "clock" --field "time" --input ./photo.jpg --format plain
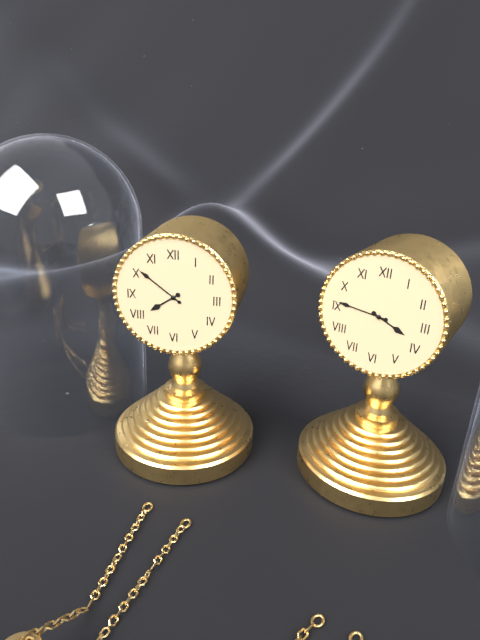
7:51
